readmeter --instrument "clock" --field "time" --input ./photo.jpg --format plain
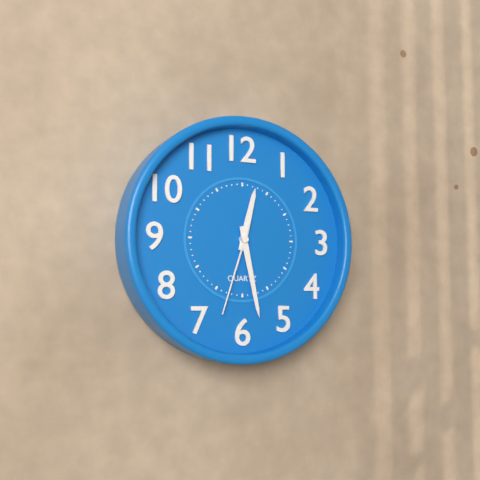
12:28:33
